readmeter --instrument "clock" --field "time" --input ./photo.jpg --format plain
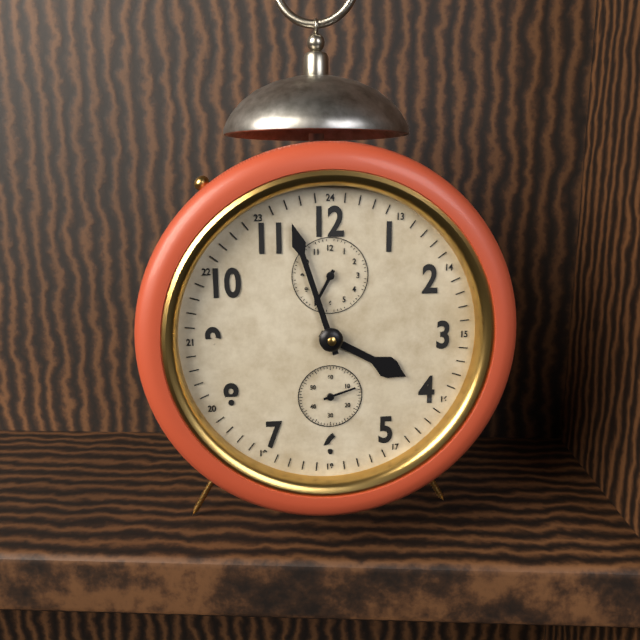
3:57
